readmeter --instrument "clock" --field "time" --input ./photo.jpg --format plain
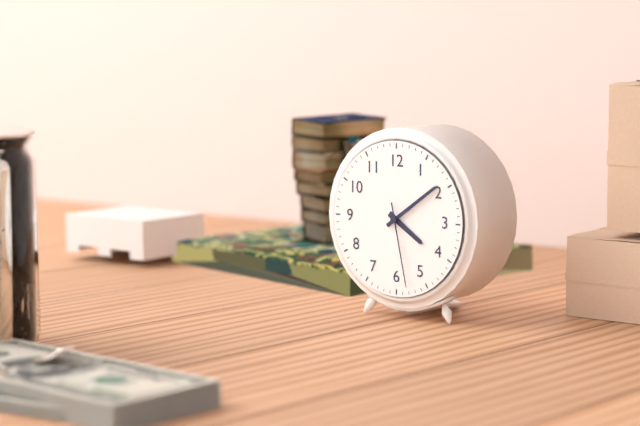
4:09:28
